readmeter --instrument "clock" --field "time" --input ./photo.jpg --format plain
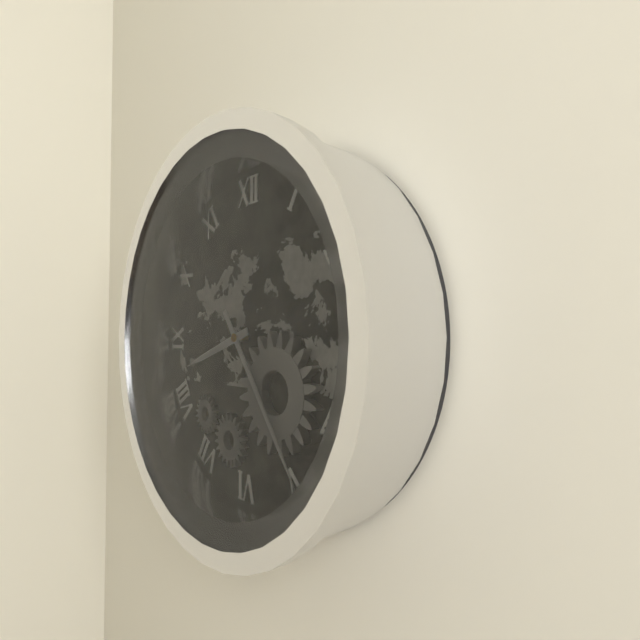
8:24
